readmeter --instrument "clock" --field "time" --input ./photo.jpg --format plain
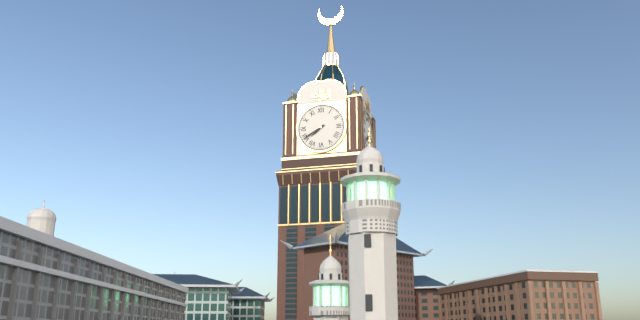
7:40
